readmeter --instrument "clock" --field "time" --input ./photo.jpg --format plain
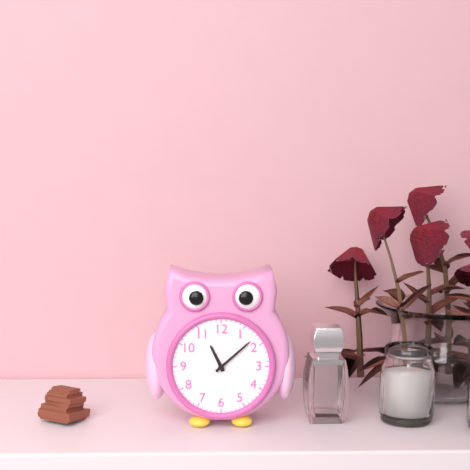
11:08
